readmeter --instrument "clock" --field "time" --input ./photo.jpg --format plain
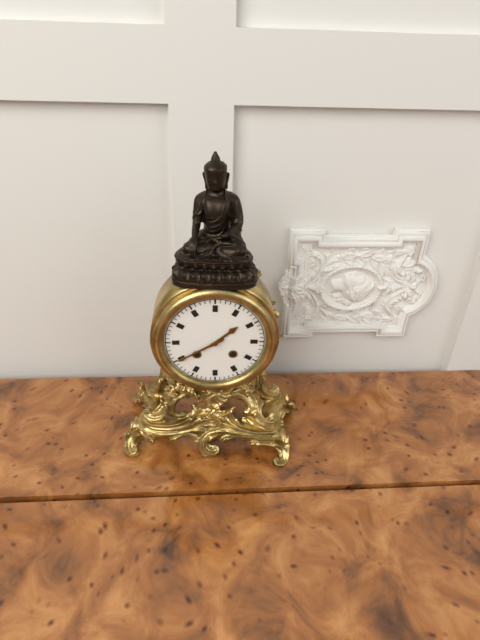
1:40
